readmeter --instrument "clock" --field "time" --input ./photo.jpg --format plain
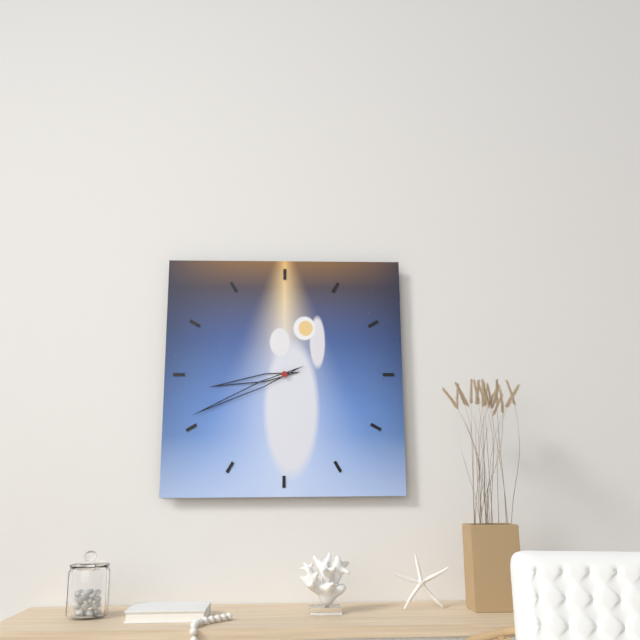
8:41
